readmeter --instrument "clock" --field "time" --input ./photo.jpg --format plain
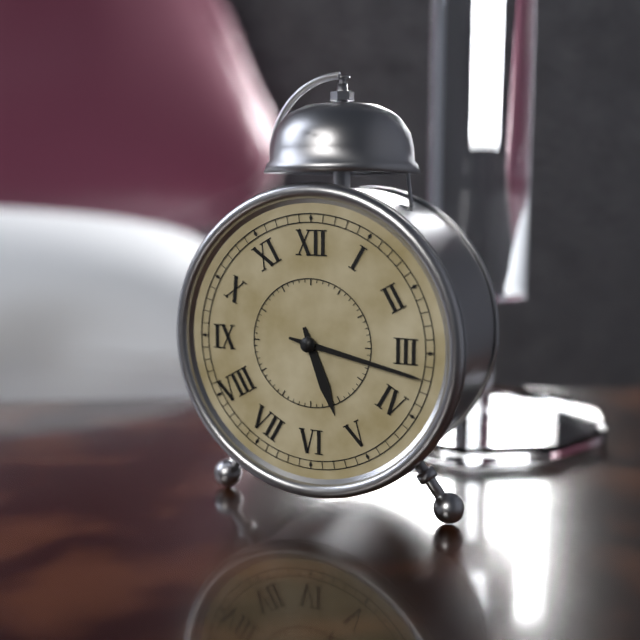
5:17
